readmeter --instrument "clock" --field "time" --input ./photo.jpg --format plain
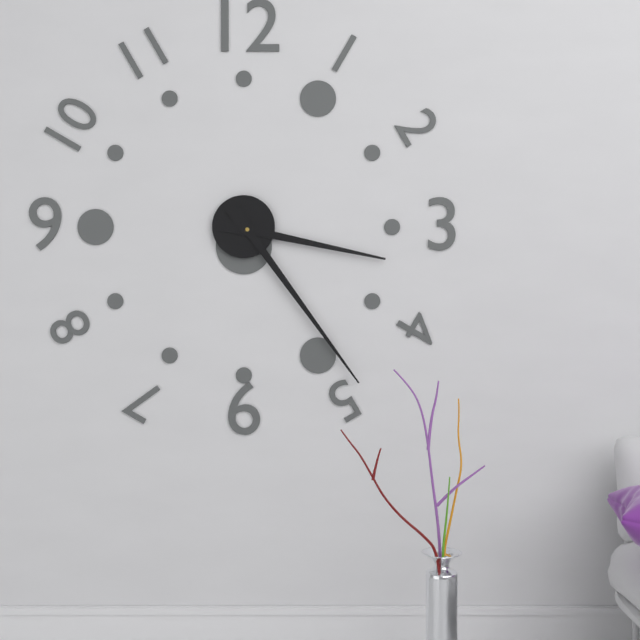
3:24
